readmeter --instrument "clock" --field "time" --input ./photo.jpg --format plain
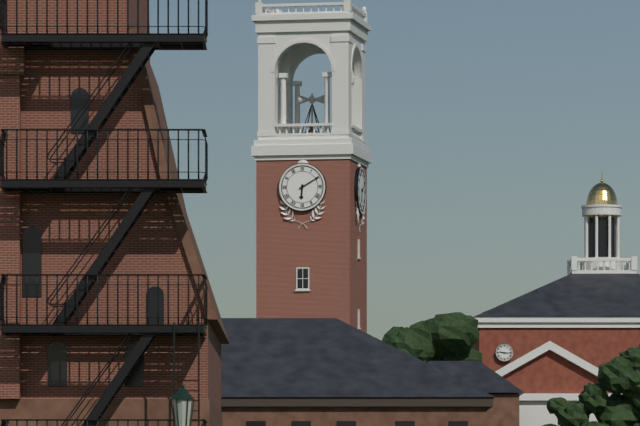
6:10
